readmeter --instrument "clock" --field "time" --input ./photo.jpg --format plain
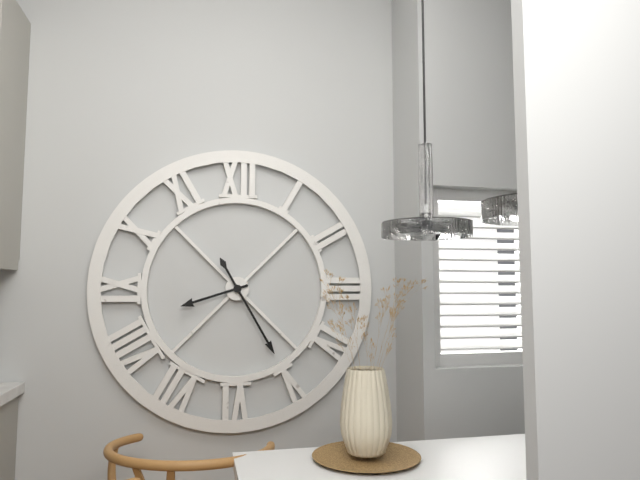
8:25
